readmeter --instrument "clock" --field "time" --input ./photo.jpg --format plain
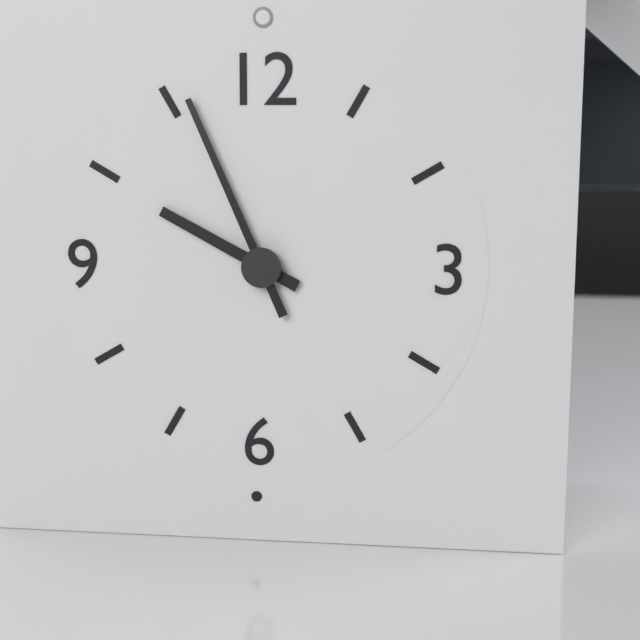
9:56
